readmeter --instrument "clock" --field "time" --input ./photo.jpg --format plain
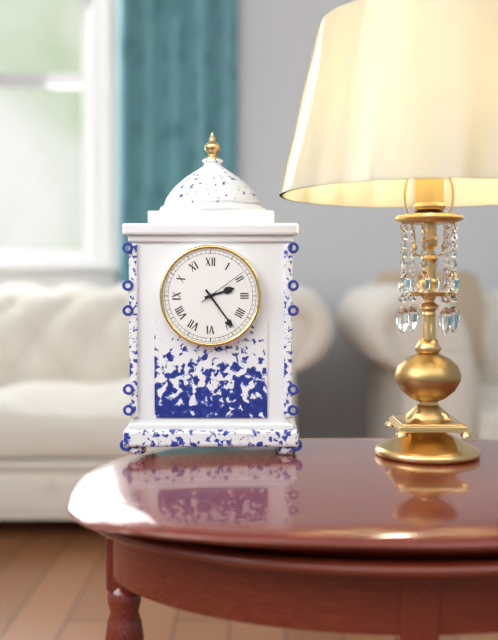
2:24:09
